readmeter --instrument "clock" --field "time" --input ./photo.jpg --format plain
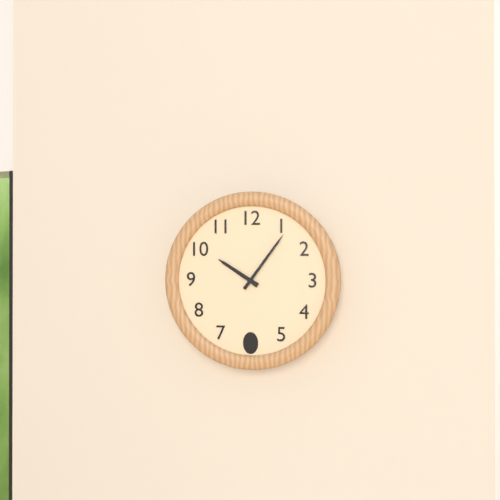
10:06
